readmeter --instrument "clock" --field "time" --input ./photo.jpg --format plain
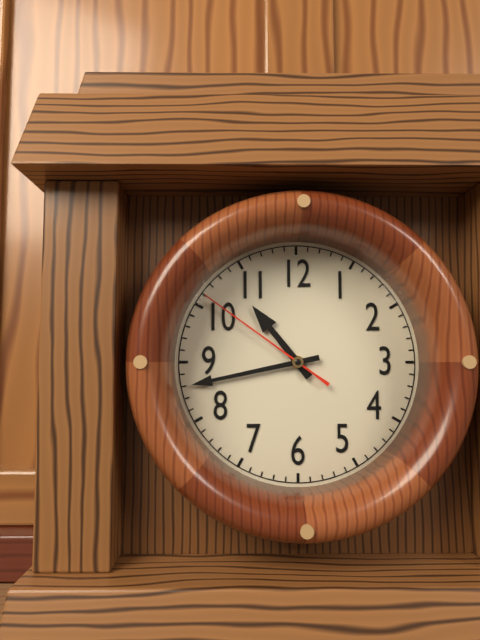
10:43:51
